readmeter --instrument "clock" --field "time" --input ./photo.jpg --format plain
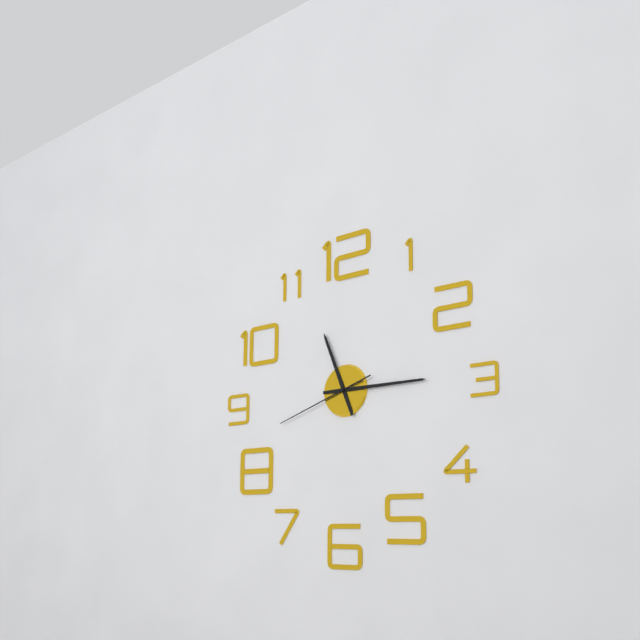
11:15:42
